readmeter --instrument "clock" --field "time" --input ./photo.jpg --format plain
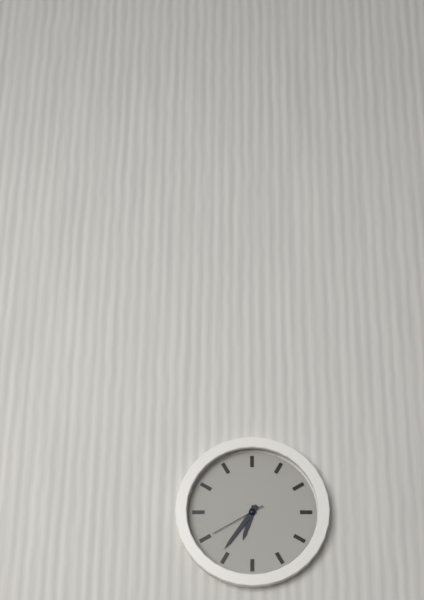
6:36:40
